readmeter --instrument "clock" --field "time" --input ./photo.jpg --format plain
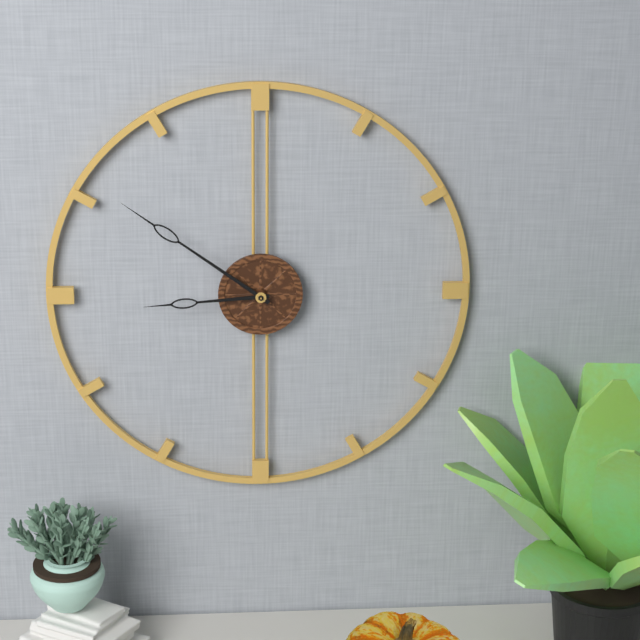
8:51
